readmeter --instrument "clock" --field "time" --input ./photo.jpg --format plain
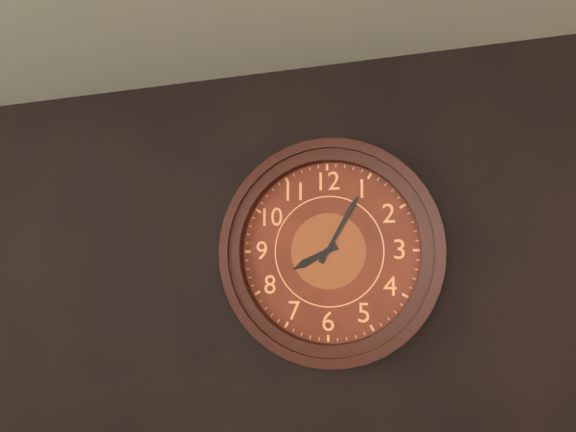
8:05
